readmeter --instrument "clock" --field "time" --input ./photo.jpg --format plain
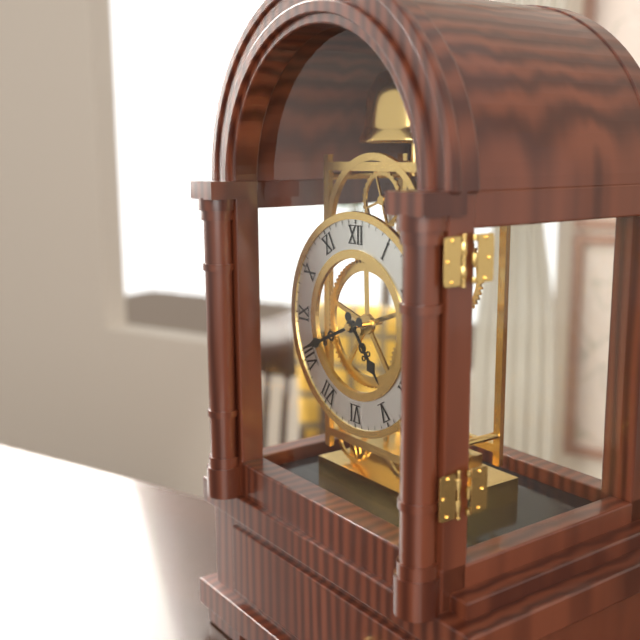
4:41
